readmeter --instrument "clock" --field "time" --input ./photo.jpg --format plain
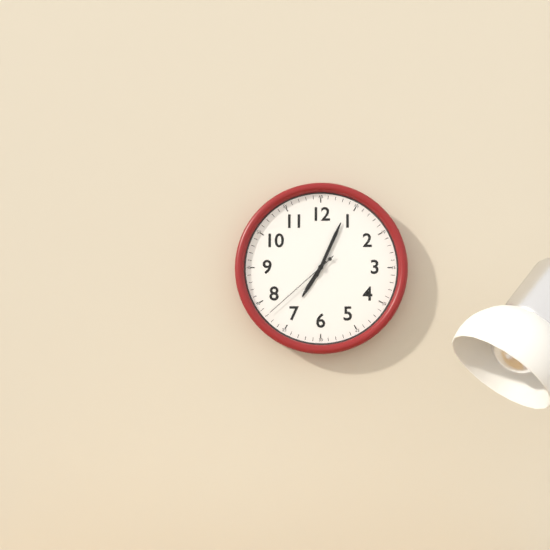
7:04:38
